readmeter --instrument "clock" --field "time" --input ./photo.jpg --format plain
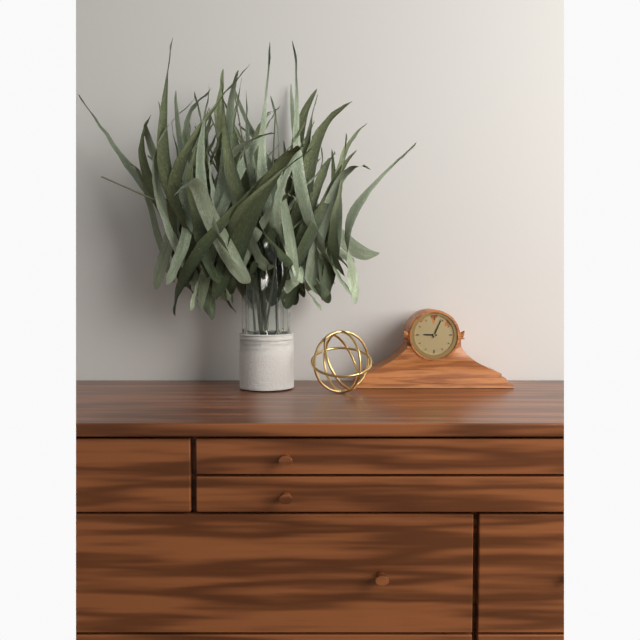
9:04
